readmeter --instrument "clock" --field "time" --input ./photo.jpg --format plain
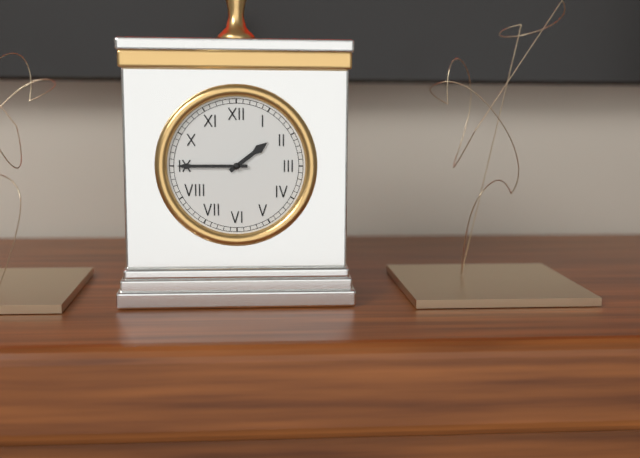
1:45
